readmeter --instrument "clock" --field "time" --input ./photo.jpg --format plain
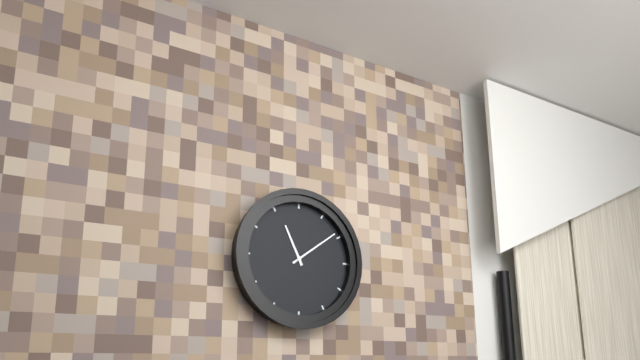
11:09
